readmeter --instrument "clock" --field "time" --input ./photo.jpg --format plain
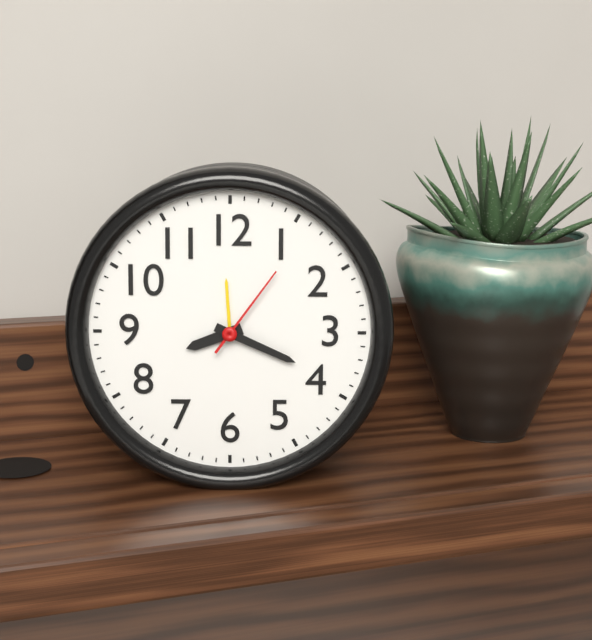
8:19:06
